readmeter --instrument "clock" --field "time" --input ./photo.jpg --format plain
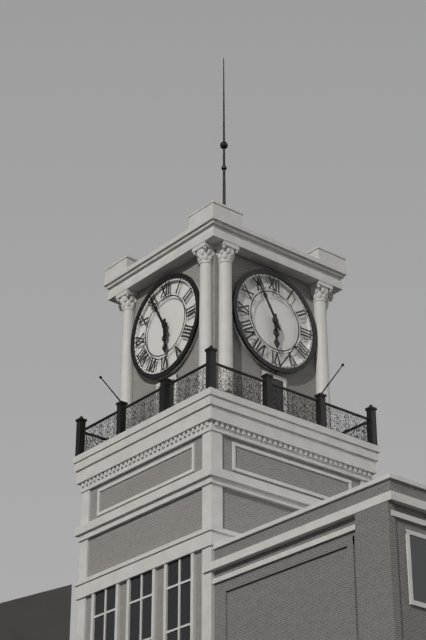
5:55
